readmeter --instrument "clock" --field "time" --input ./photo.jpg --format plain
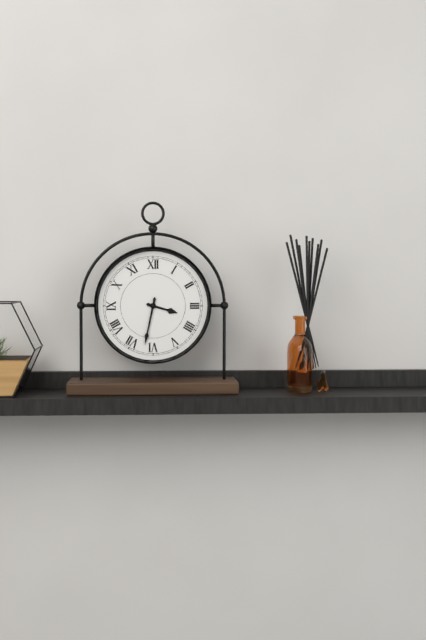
3:32
